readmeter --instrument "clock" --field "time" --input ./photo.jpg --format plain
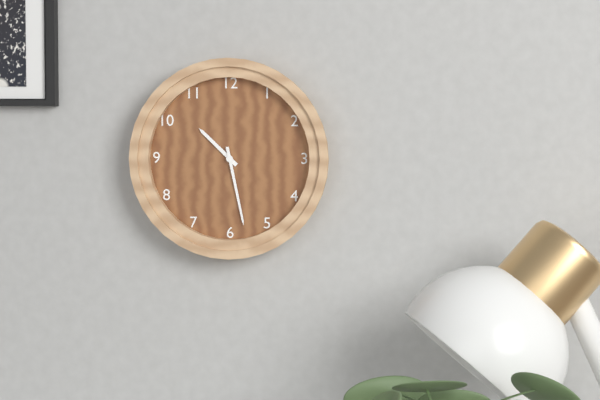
10:28
